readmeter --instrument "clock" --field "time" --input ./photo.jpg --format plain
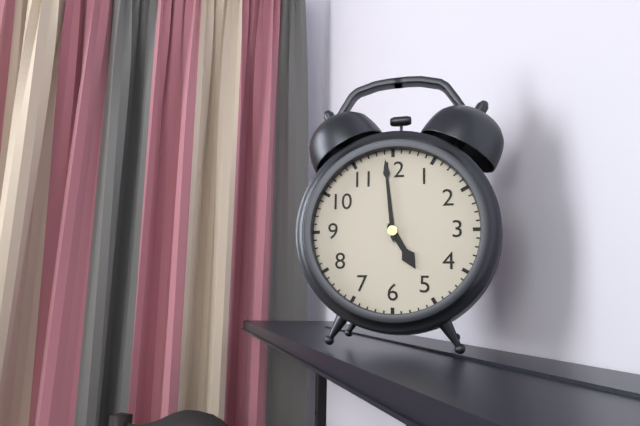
4:59
